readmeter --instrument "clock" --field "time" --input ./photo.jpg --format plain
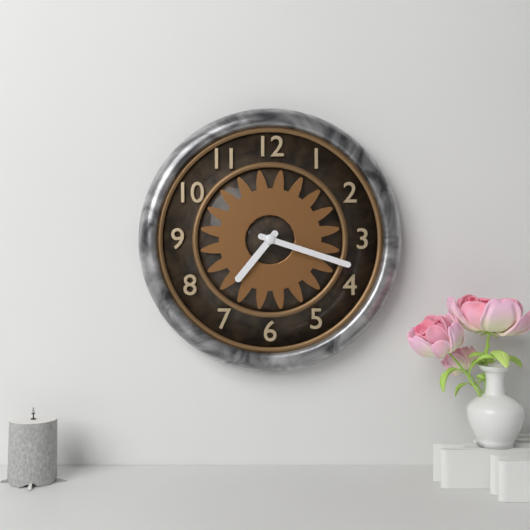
7:18
